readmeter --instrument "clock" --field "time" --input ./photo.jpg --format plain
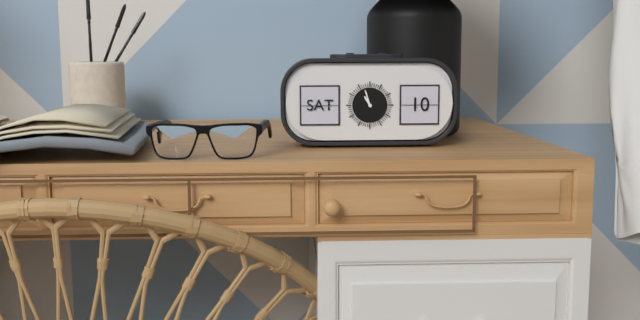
10:57
